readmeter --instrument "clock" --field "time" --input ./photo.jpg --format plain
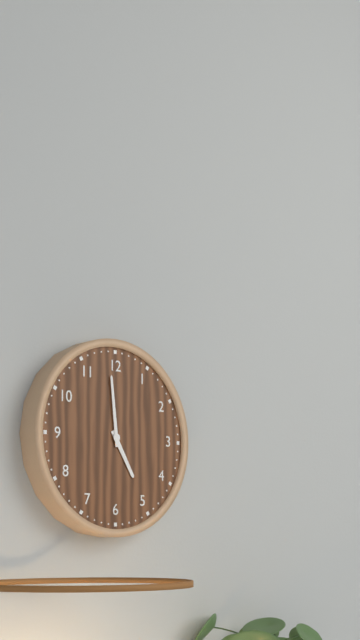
4:59
